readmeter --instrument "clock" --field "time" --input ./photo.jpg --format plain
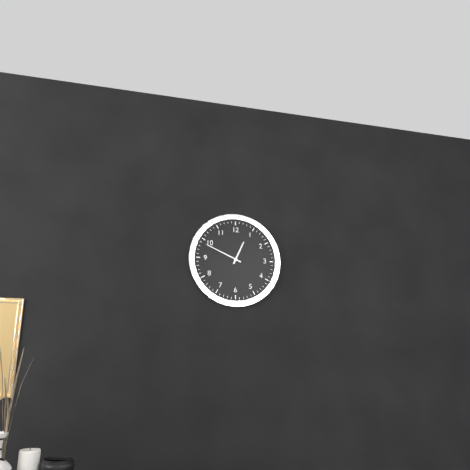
12:49
